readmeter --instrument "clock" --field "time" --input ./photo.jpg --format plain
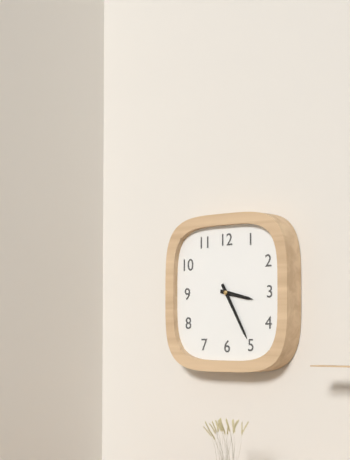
3:25
